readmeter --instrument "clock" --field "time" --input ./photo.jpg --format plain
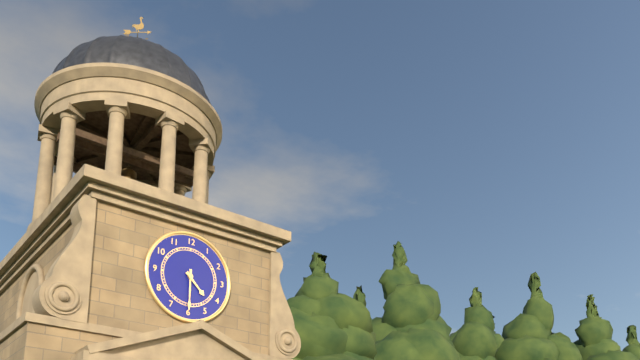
4:30
